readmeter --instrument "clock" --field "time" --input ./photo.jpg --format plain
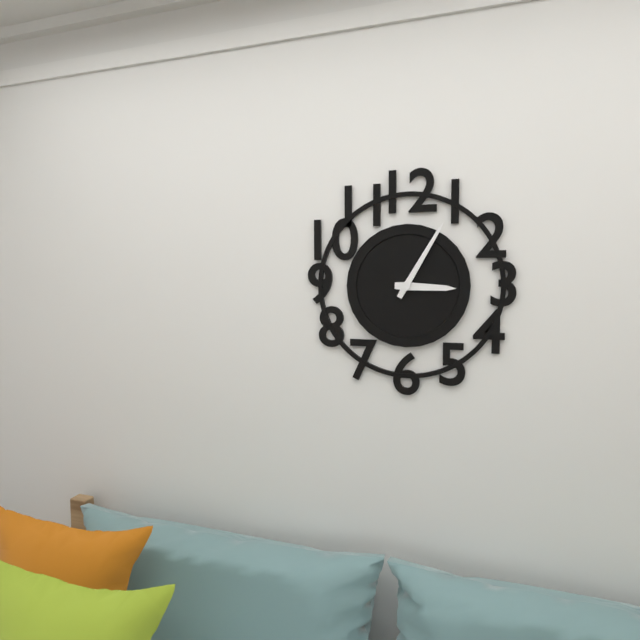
3:05
